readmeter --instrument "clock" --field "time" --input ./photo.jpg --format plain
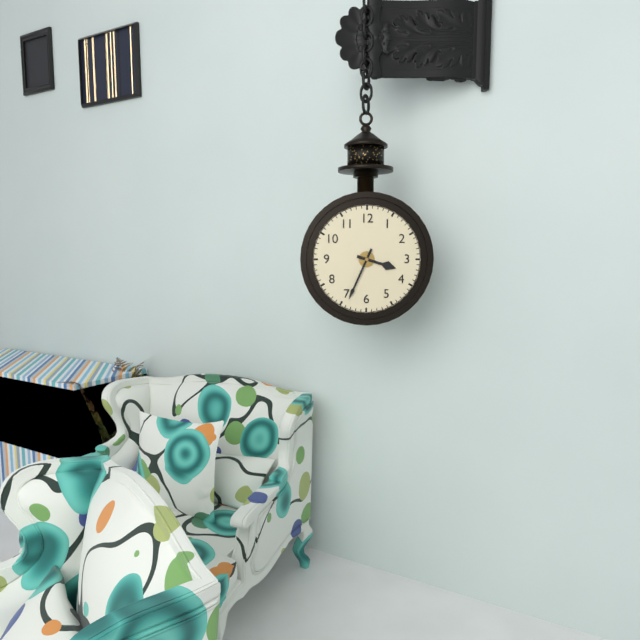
3:34
